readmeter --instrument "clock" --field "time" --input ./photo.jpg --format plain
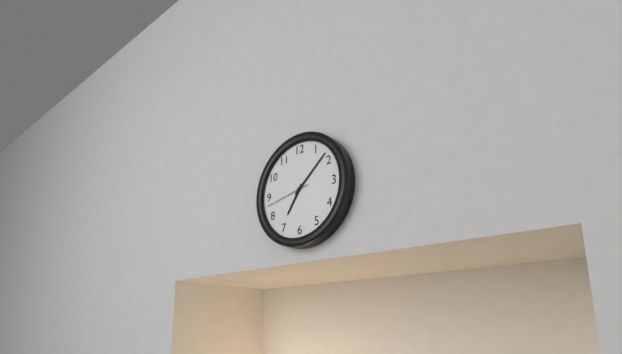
7:08
